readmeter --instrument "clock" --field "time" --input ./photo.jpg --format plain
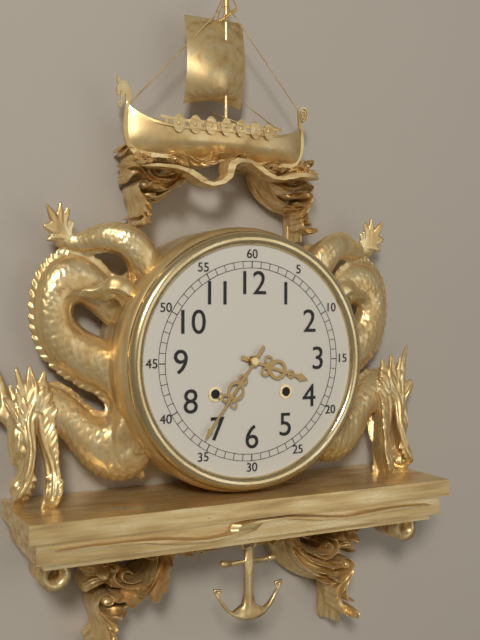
3:36
